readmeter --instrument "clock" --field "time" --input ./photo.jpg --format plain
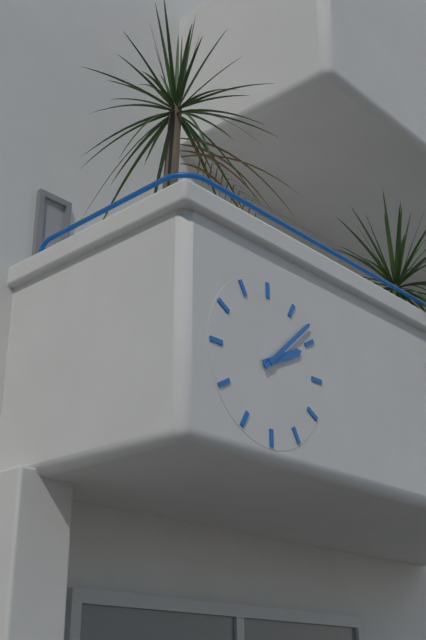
2:08
